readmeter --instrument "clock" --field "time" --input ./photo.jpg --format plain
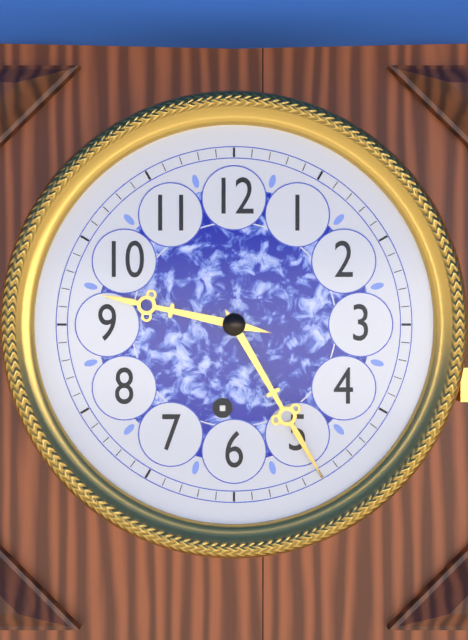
9:25
